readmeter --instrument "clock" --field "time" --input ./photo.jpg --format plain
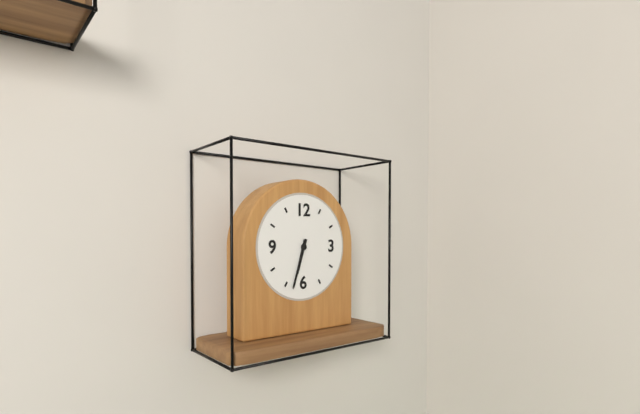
6:33
